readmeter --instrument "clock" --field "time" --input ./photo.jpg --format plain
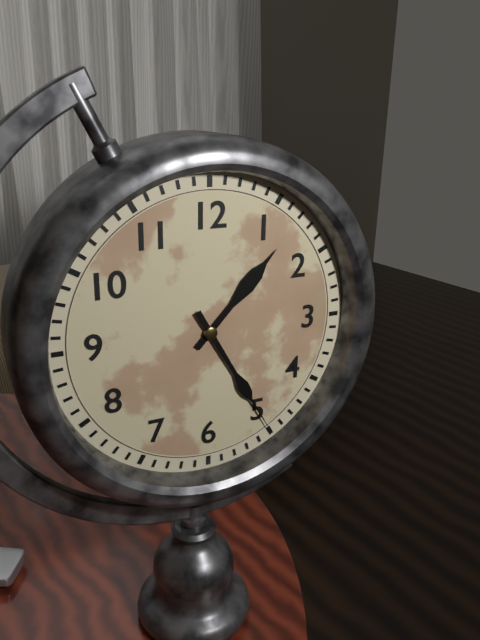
1:25
